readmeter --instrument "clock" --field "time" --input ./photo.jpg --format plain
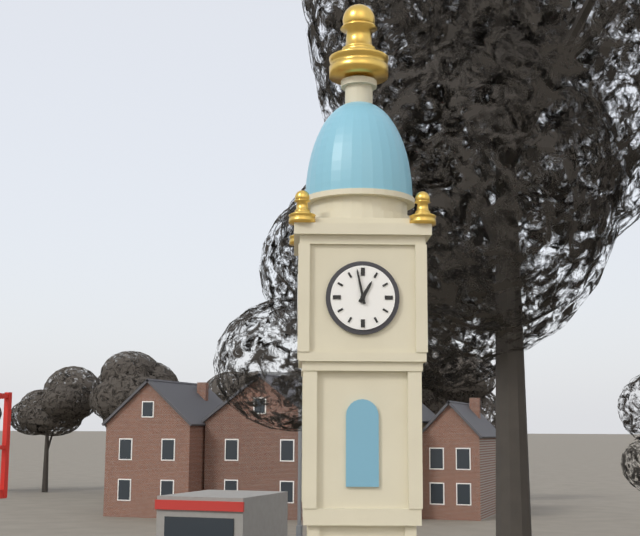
12:58
